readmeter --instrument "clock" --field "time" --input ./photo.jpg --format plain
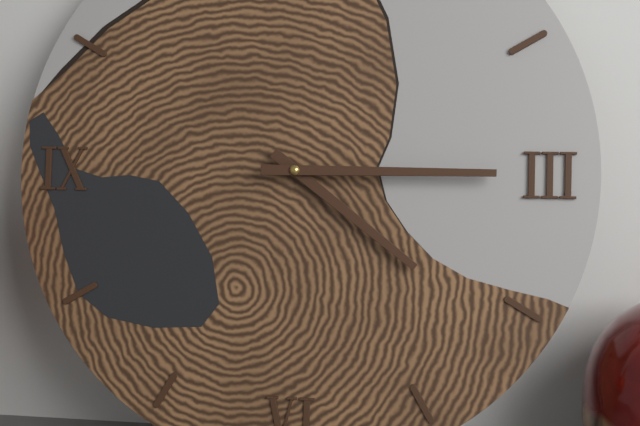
4:15
